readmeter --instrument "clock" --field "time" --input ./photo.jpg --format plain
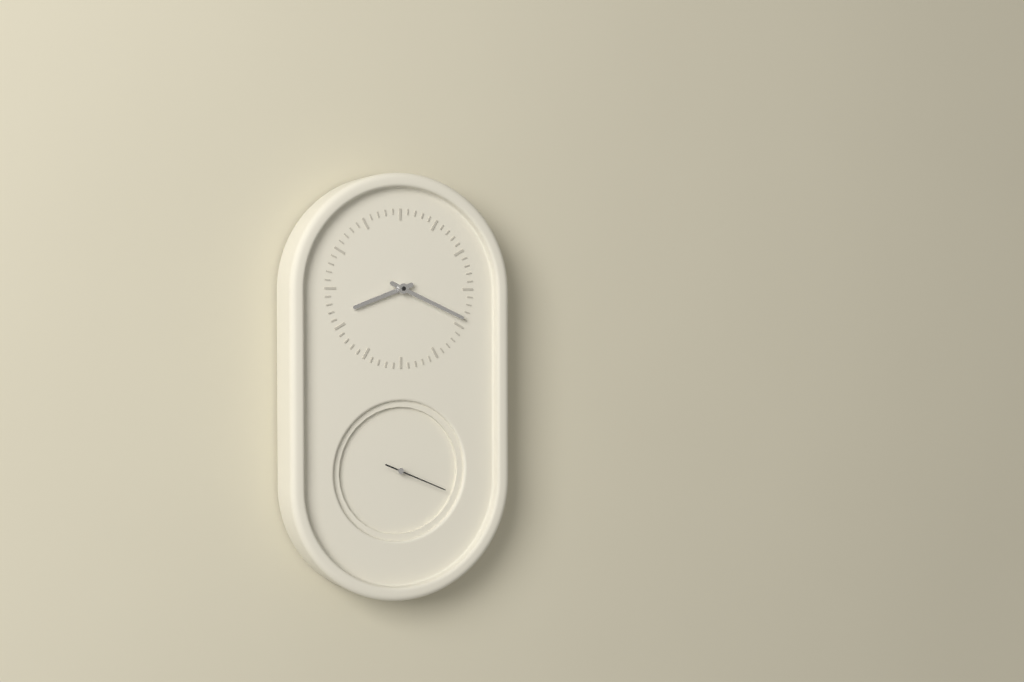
8:19:19
